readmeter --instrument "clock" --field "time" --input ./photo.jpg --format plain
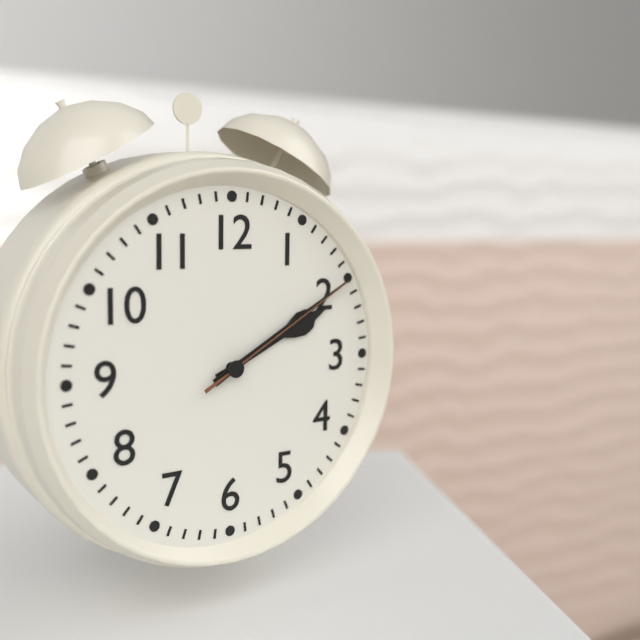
2:10:10
